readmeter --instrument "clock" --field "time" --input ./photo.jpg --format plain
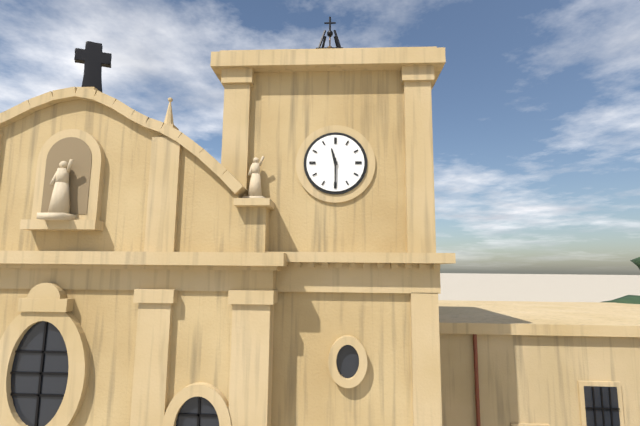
11:30
